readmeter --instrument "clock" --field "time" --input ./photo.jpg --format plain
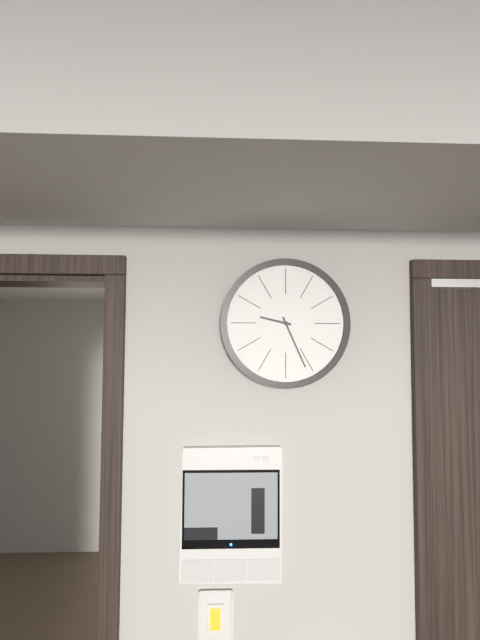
9:26
